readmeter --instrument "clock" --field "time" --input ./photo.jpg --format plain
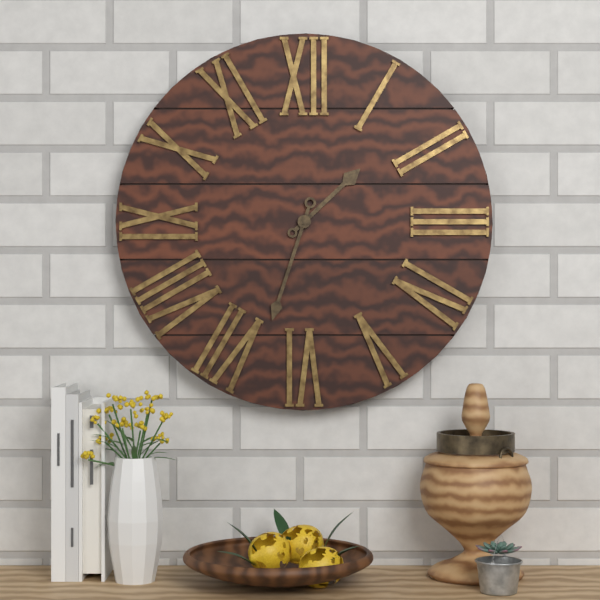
1:33
